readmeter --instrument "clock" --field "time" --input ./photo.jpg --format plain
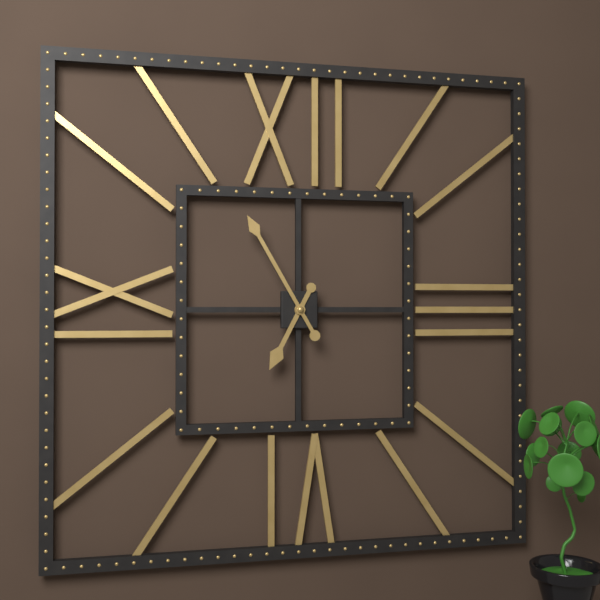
6:55
